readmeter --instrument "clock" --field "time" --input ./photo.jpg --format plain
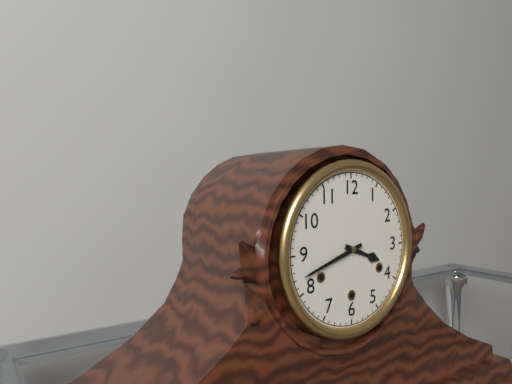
3:42
